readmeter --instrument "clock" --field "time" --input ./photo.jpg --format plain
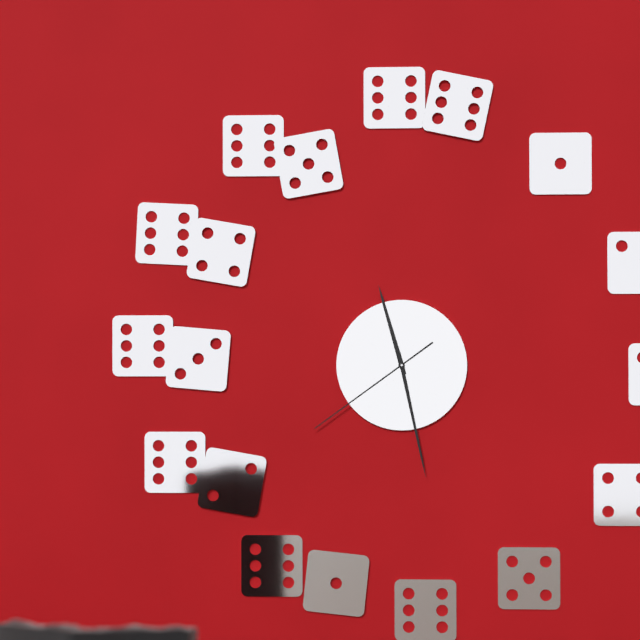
11:28:39
